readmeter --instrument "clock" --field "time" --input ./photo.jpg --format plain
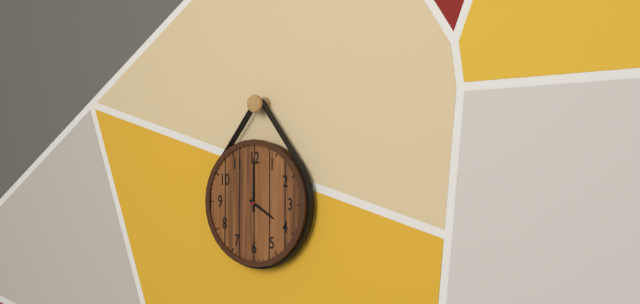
4:00
